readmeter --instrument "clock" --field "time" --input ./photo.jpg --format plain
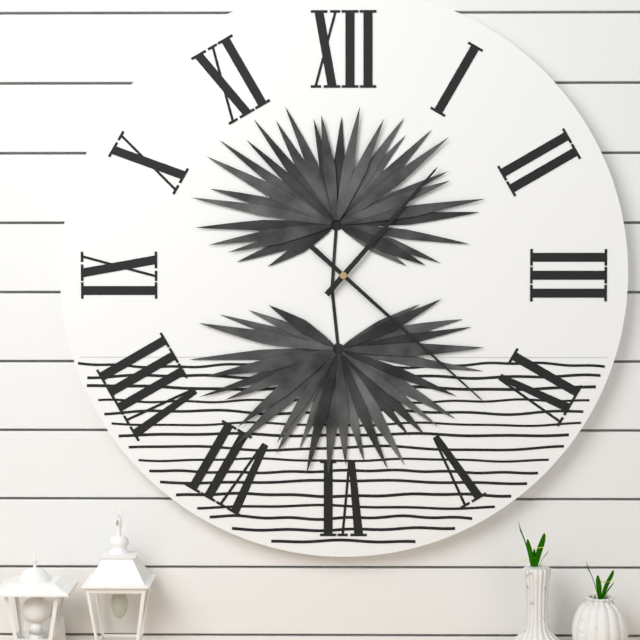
1:22
